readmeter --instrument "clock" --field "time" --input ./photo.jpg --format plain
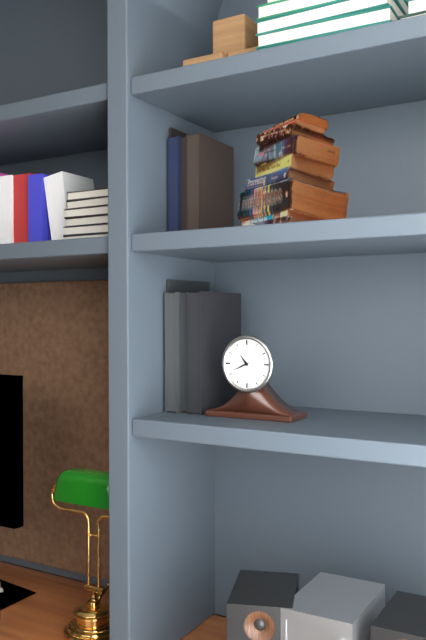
10:41
